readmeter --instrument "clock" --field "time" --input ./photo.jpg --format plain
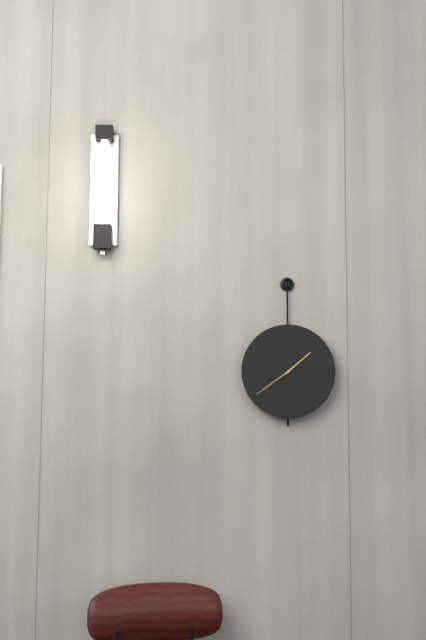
1:39
